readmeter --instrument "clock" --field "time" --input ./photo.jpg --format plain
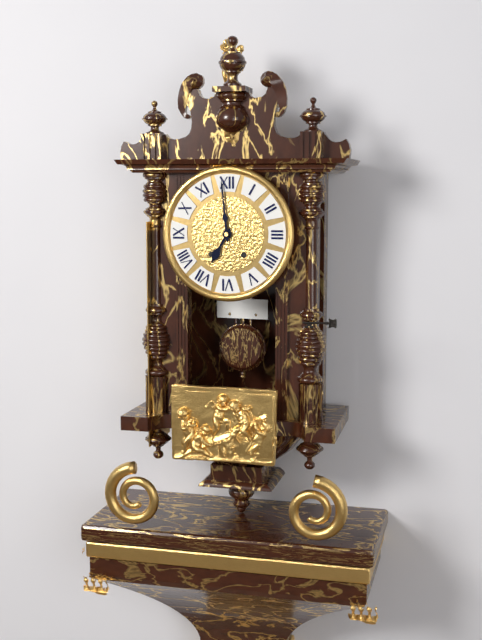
6:59
